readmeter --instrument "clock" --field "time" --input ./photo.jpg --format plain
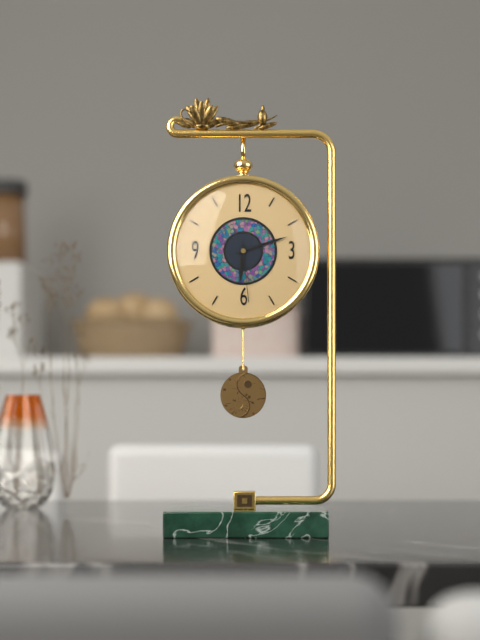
6:12:29
